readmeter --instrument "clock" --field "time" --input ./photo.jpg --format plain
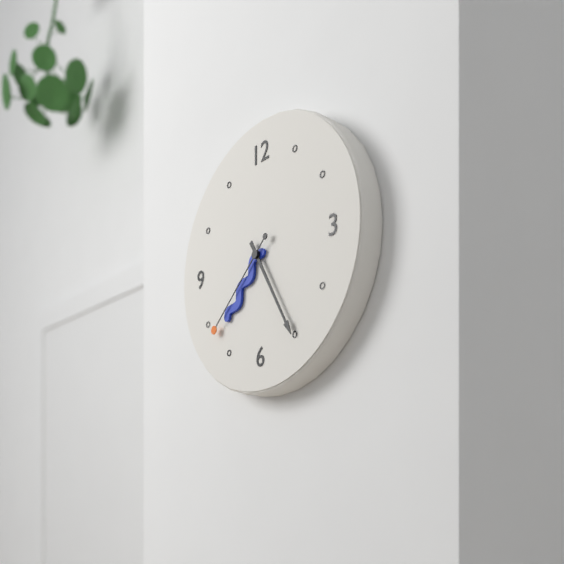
7:25:38
